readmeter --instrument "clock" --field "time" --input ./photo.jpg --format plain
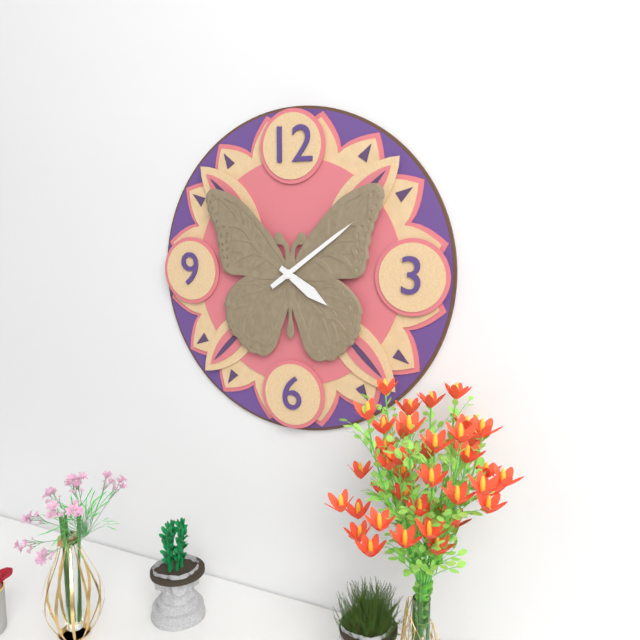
4:09
